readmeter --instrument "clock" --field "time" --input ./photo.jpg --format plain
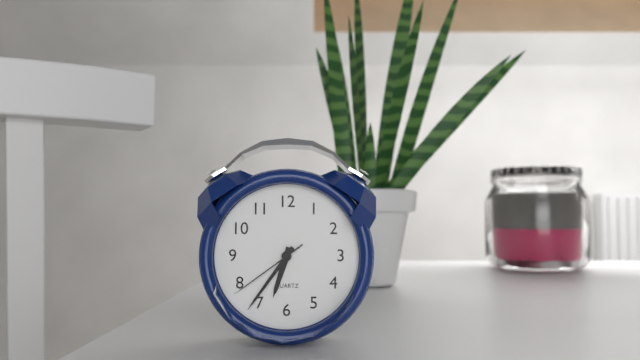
6:36:39
